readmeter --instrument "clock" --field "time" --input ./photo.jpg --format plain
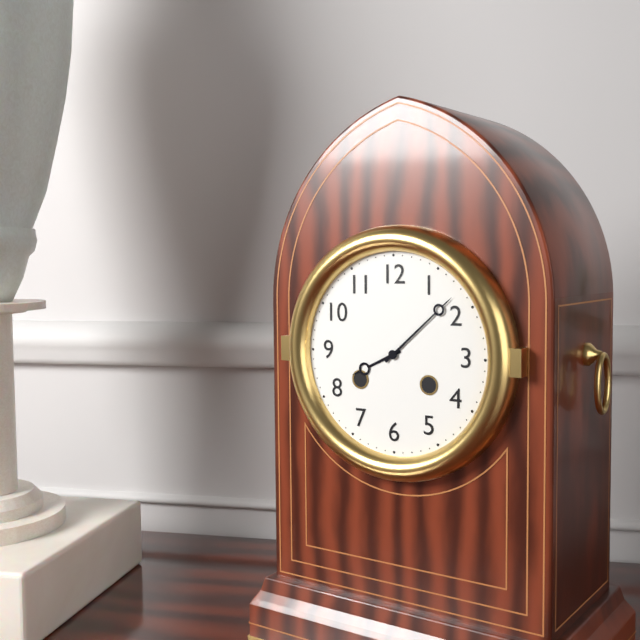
8:08
